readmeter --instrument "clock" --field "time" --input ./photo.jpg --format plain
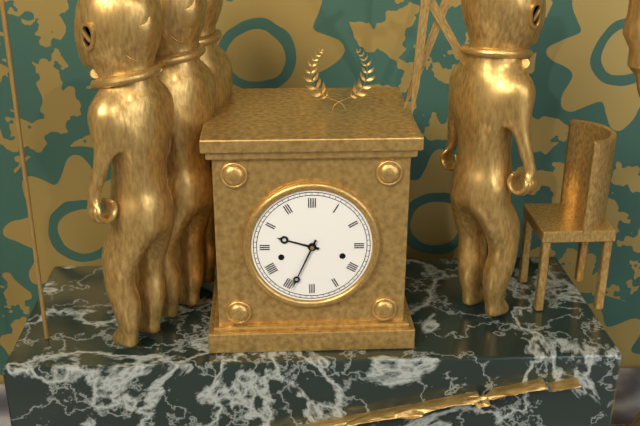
9:34
